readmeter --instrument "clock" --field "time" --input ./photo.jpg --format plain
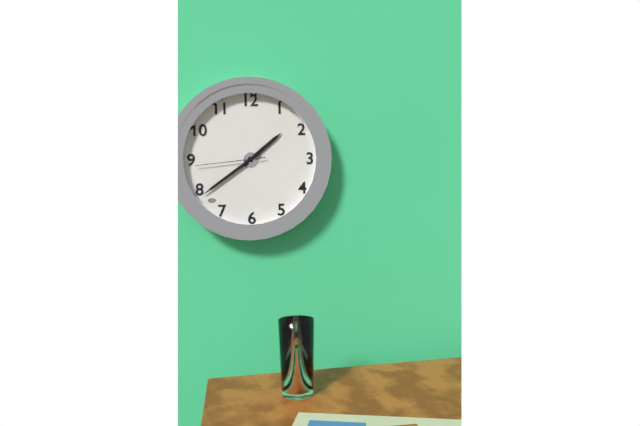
1:39:44
